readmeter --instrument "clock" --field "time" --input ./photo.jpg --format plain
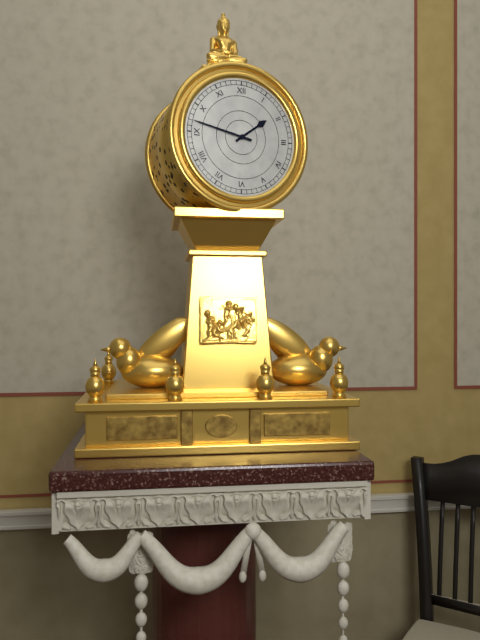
1:47
